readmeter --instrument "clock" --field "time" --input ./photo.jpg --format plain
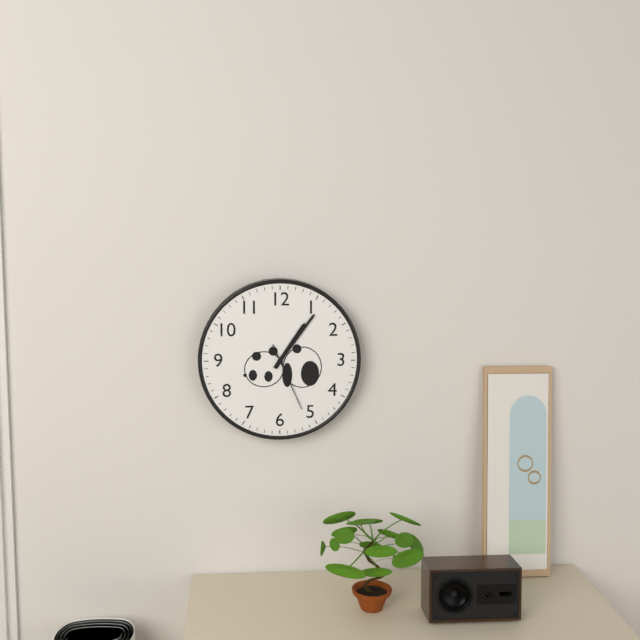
1:06:26
